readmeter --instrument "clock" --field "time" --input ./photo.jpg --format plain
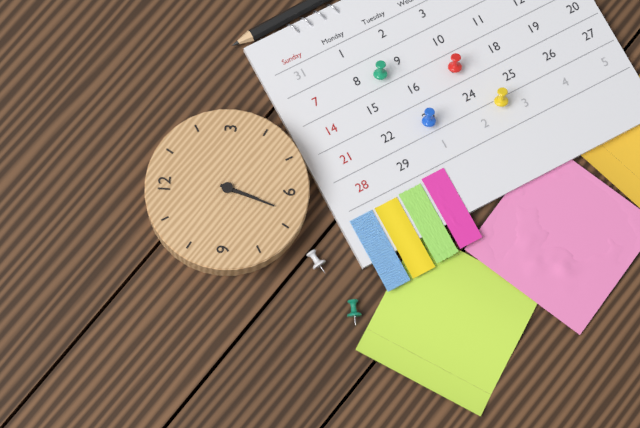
6:33
